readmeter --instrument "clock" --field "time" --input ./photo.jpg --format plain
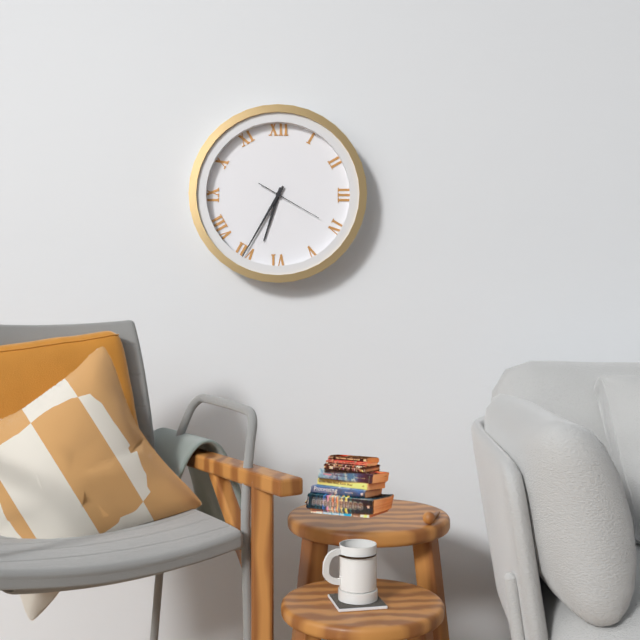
6:35:20
